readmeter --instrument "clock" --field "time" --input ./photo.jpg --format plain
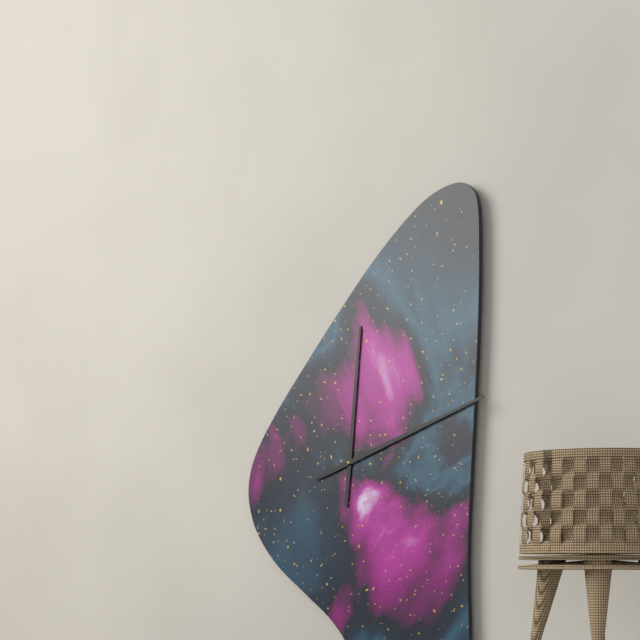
12:12
